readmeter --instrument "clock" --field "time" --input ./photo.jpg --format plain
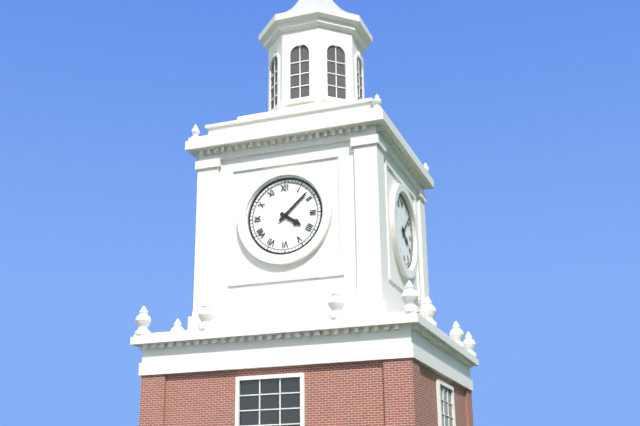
4:08
